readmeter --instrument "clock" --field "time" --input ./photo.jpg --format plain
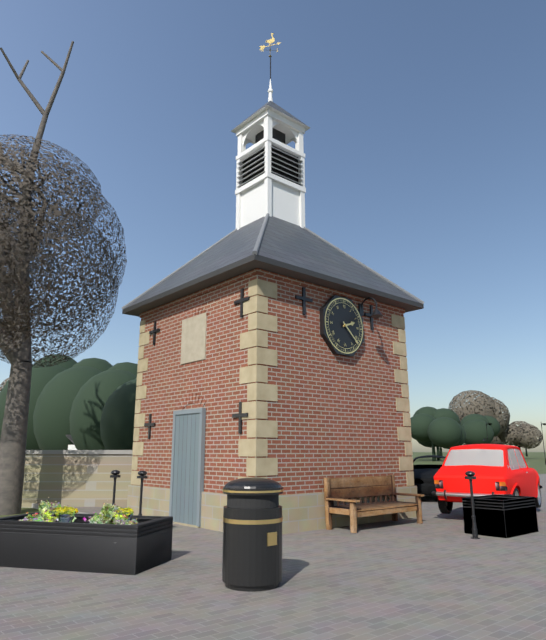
2:22
